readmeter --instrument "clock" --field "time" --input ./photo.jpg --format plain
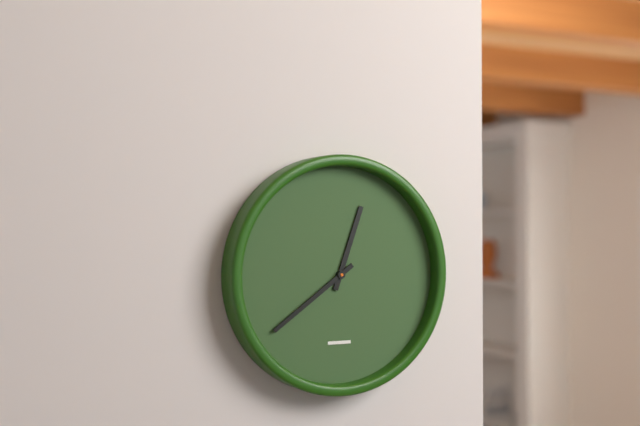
12:39
